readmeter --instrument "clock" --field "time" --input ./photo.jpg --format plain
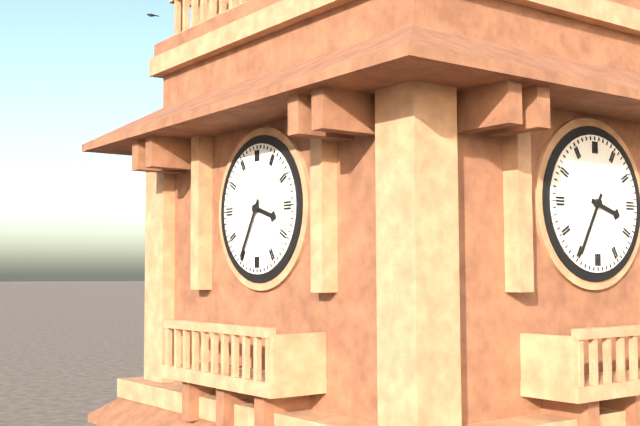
3:35
